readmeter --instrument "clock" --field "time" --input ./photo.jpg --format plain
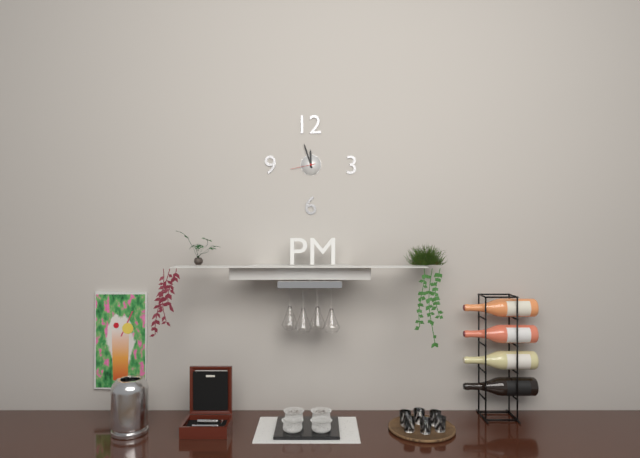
11:57
